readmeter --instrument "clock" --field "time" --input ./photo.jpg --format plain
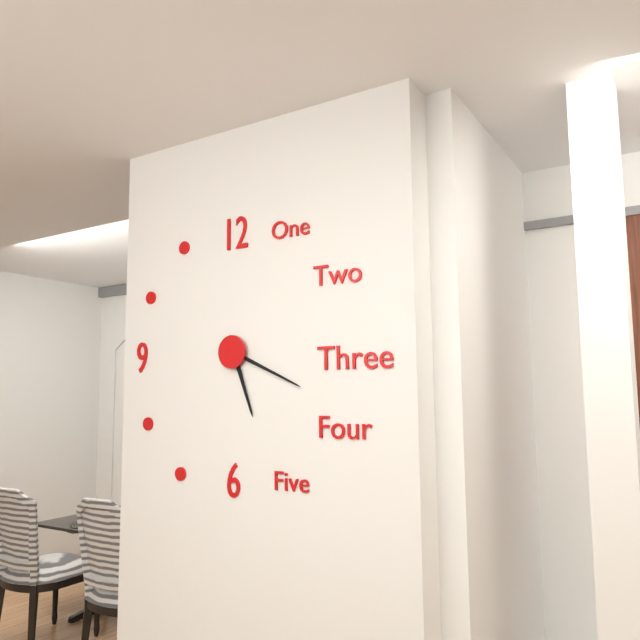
5:19
